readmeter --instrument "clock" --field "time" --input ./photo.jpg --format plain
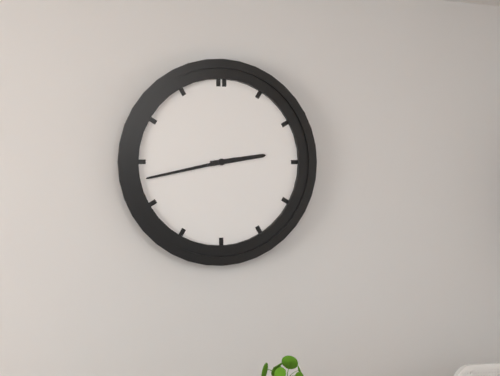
2:43
